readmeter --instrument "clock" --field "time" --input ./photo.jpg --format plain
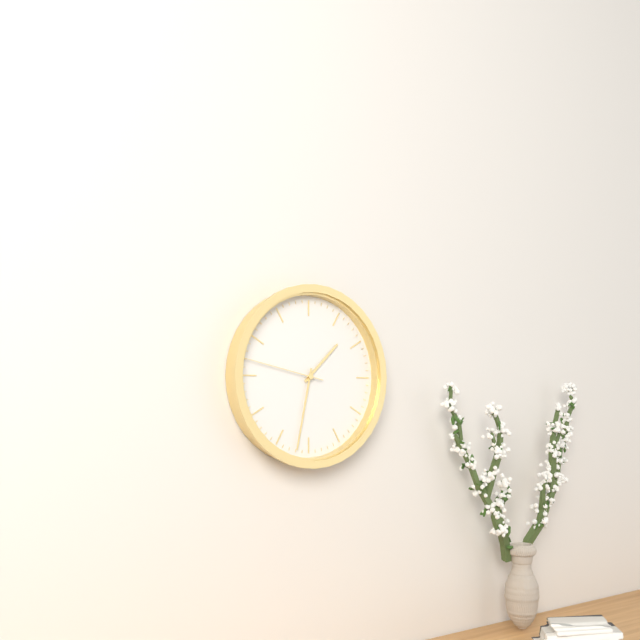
1:32:47
